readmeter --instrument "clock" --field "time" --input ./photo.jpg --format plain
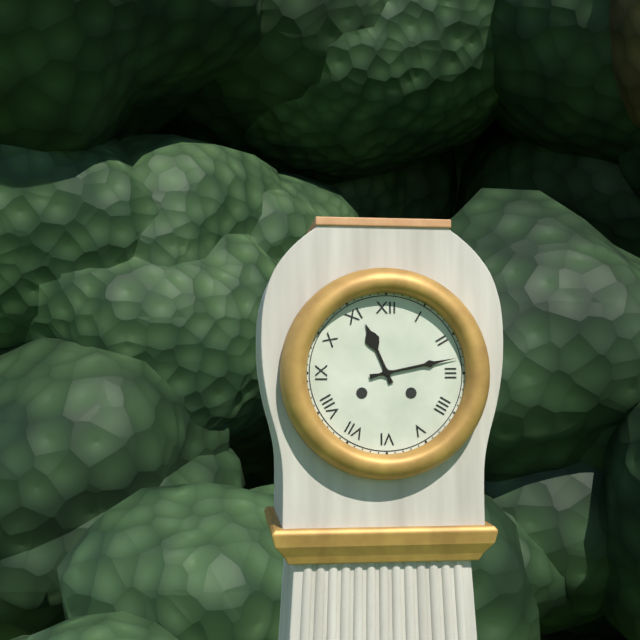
11:13
